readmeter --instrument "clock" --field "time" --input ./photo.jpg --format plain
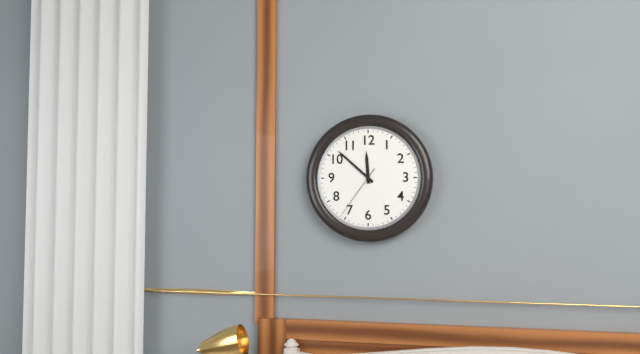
11:52:36
